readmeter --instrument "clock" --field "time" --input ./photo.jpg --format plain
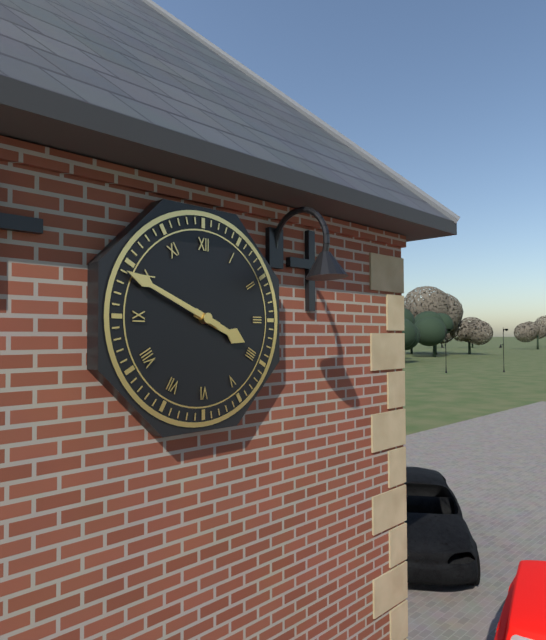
3:49
